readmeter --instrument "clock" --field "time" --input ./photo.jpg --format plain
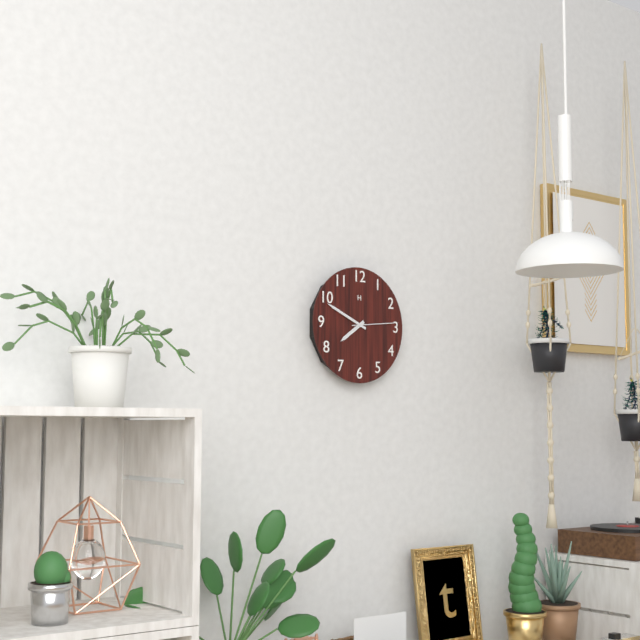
7:49
